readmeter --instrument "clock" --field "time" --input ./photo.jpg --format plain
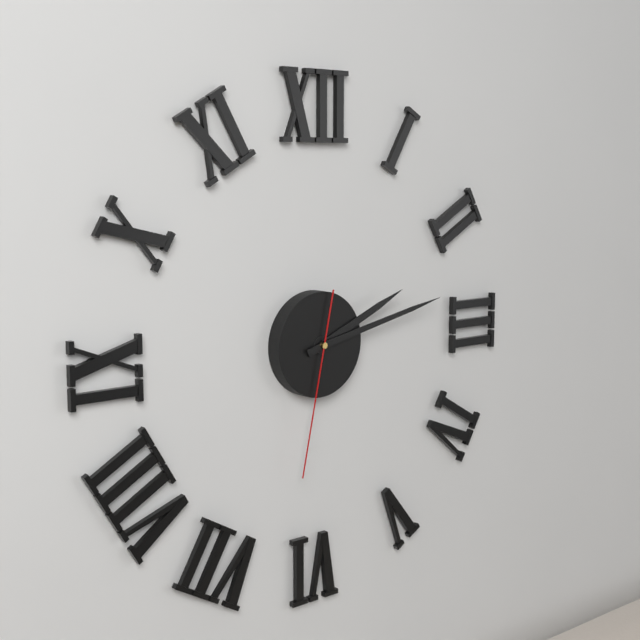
2:13:32
